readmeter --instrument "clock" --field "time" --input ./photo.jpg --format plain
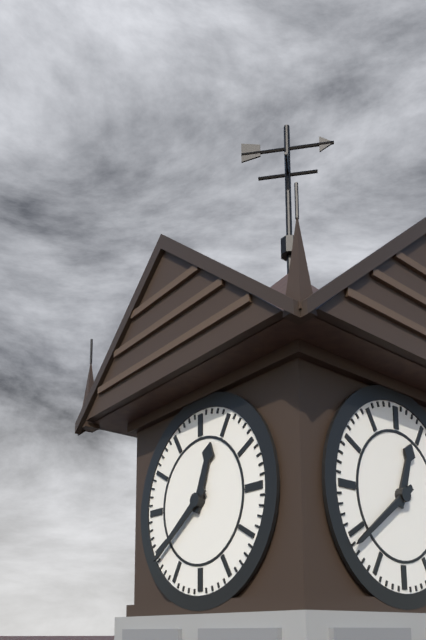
12:39
